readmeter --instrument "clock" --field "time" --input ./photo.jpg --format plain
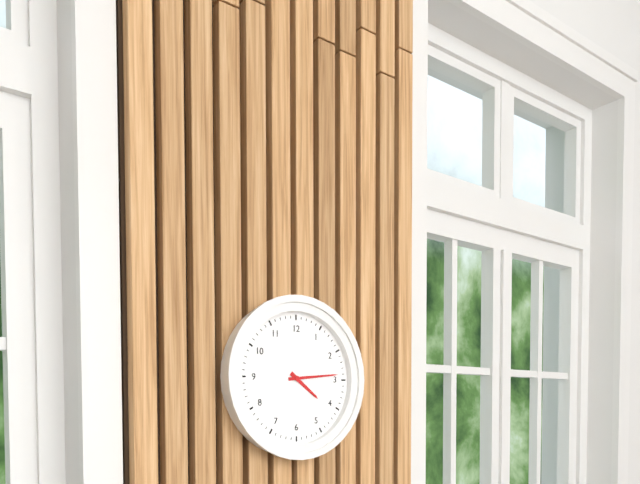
4:14
